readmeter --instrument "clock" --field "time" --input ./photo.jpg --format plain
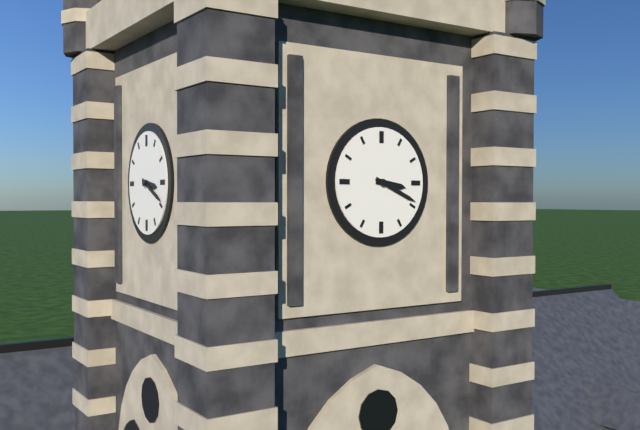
3:19
